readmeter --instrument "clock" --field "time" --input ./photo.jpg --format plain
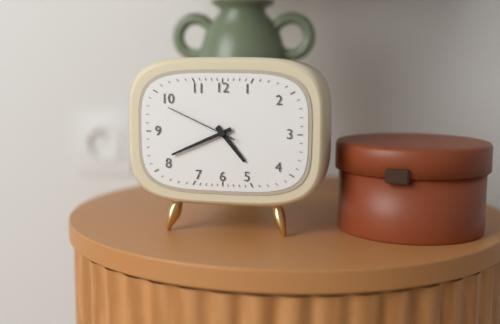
4:41:49
